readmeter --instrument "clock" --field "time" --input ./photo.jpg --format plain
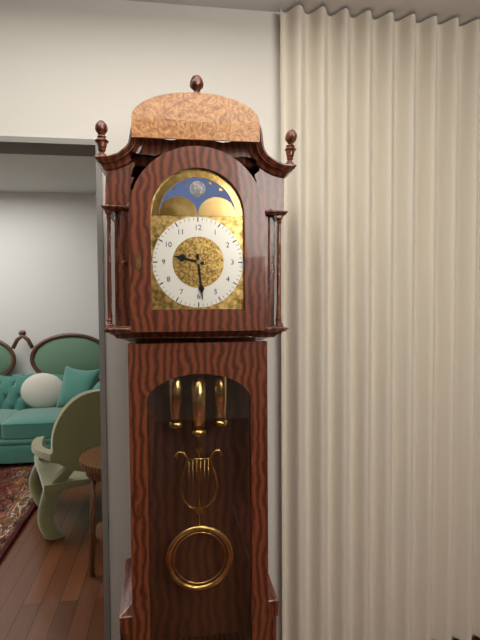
9:29
